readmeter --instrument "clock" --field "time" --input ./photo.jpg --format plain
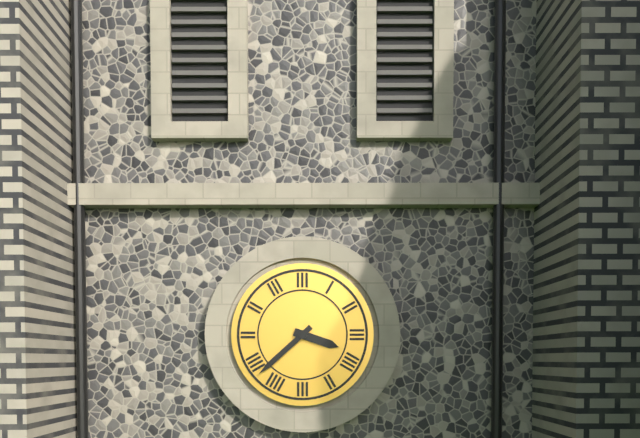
3:38
